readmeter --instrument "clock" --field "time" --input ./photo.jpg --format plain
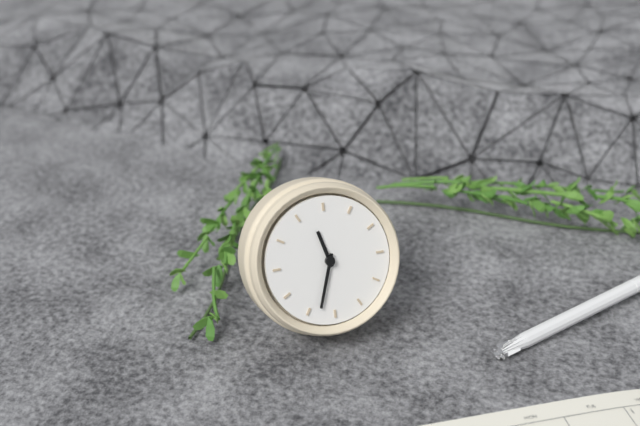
10:28
